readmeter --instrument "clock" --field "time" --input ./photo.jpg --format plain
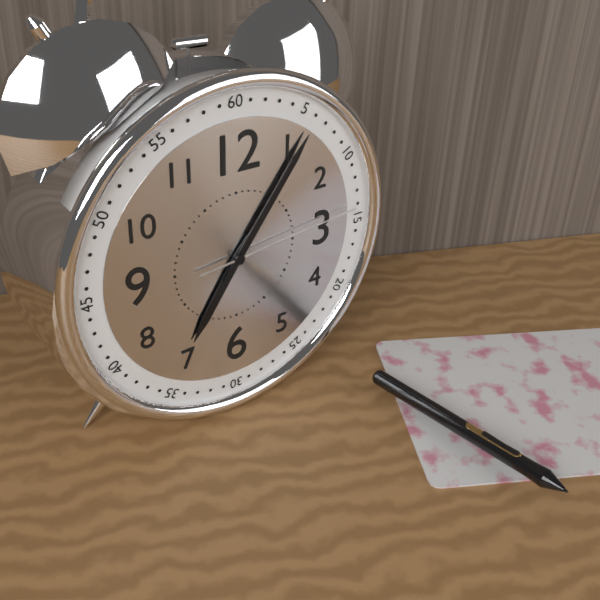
7:06:14
